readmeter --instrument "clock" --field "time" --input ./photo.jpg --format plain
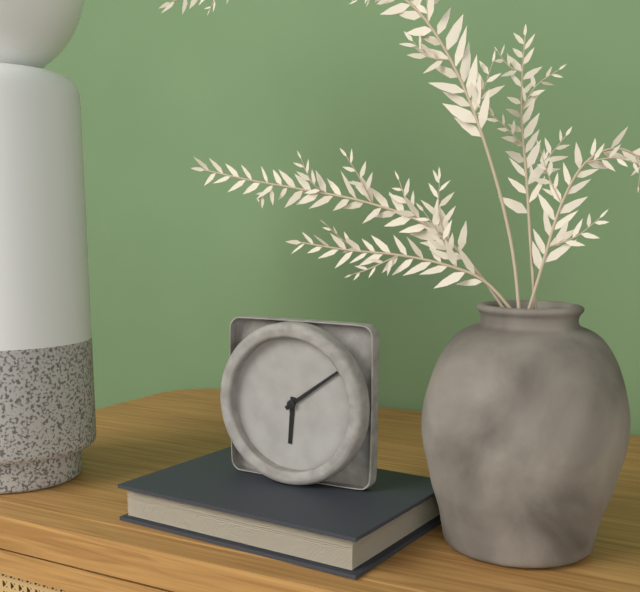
6:09
